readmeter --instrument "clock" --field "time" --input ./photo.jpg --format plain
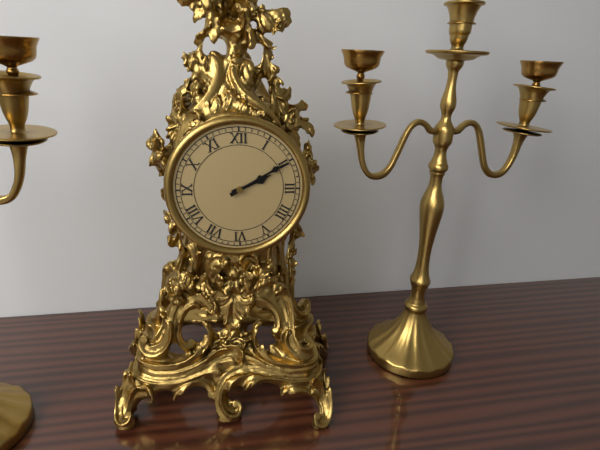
2:10
